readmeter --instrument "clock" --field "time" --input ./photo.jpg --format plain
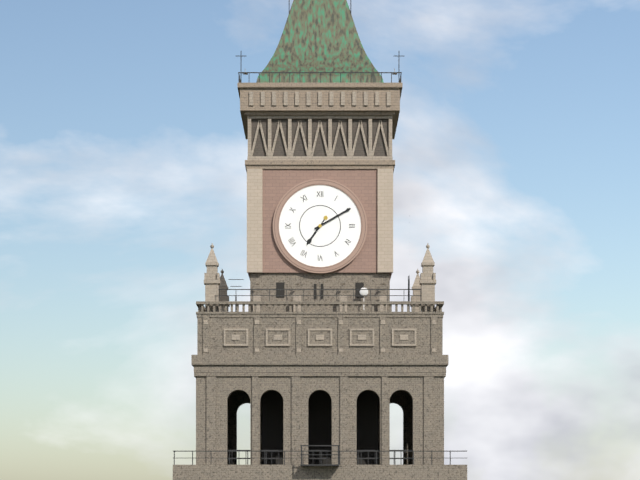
7:10
